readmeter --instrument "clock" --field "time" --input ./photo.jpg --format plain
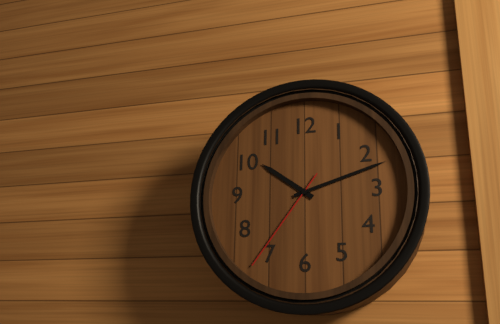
10:12:36
